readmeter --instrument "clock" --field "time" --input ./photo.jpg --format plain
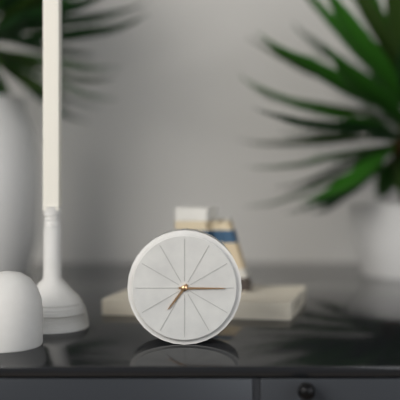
7:15
